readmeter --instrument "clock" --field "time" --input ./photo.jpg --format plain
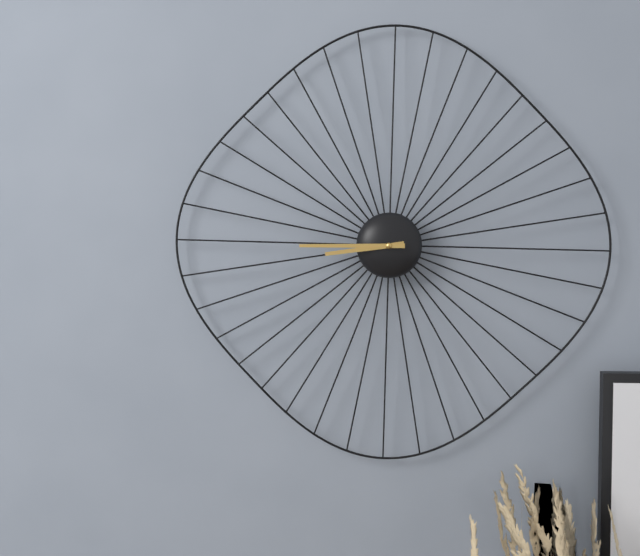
8:45
